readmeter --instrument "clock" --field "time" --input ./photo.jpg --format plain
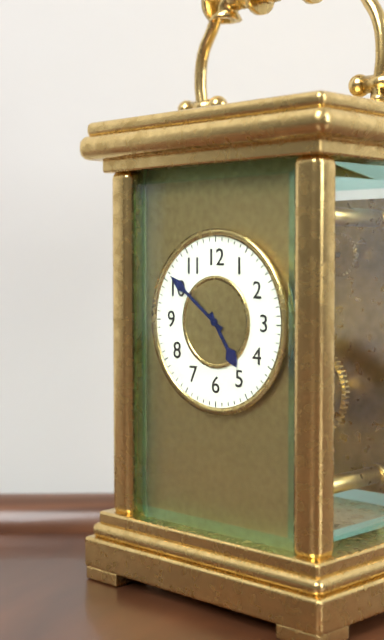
4:51
